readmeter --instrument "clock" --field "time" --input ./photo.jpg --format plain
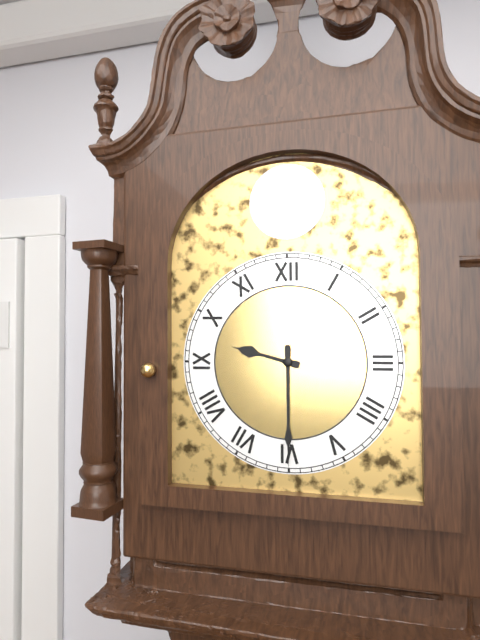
9:30
